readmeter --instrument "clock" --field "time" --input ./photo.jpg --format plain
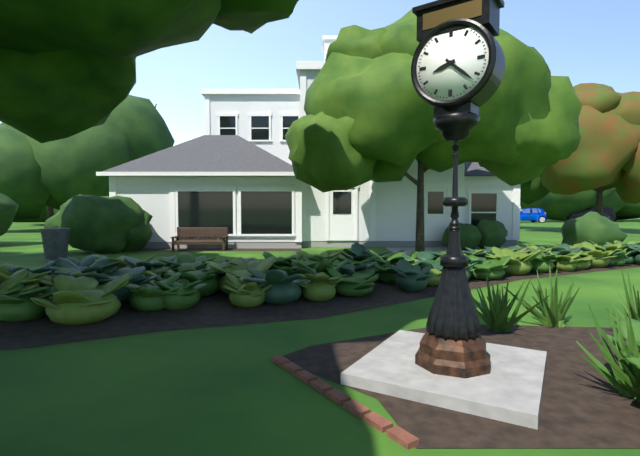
8:22
